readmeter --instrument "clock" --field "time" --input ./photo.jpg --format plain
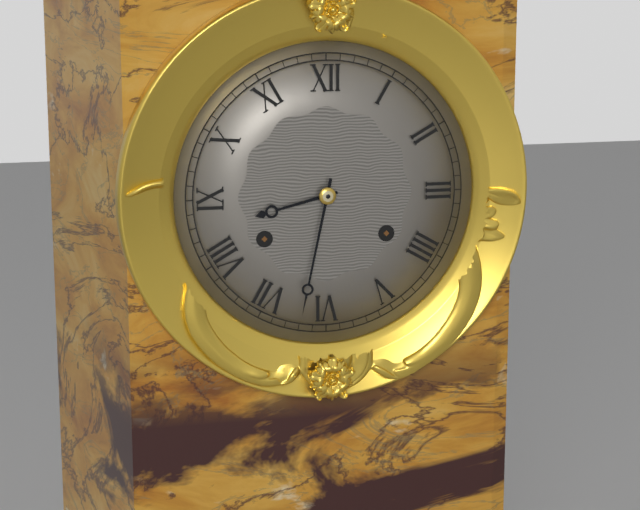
8:32
